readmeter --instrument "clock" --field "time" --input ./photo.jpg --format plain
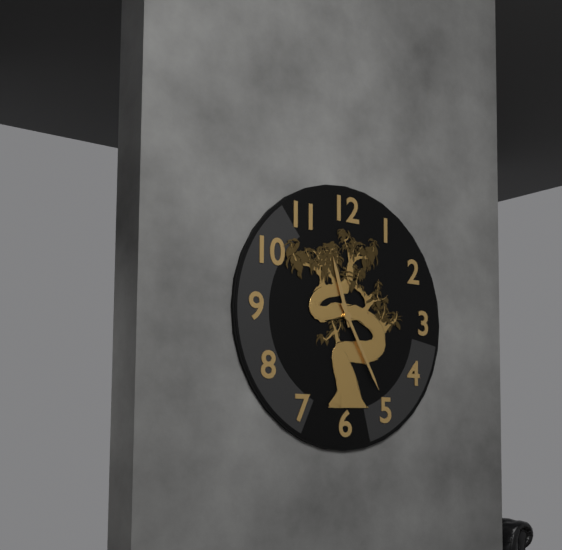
11:25
